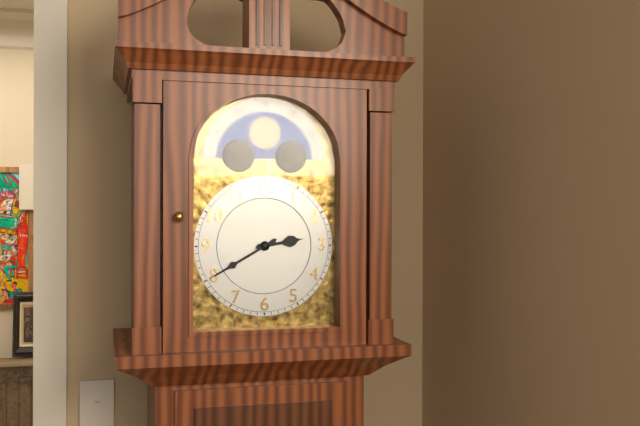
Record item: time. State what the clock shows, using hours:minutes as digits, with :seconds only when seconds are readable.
2:40
